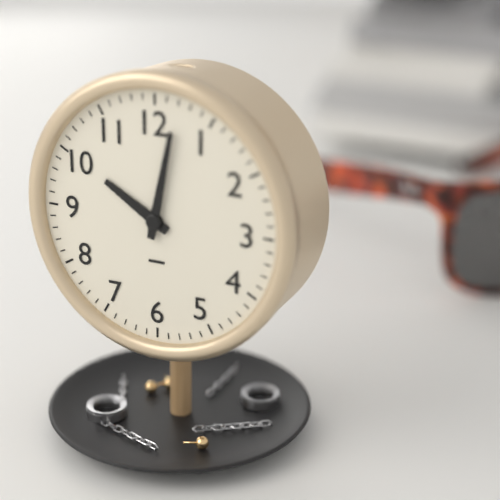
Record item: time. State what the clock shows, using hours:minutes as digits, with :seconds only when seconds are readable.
10:02
